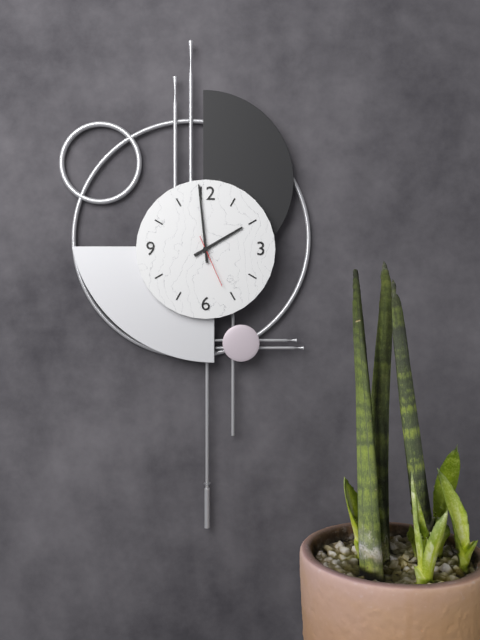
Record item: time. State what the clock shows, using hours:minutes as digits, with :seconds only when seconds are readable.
1:59:26
